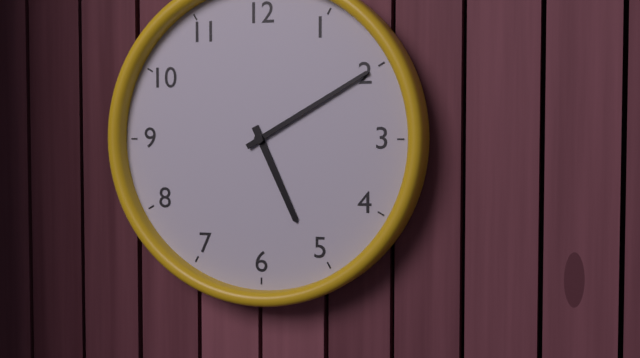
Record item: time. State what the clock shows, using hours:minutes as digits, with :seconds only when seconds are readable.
5:10
